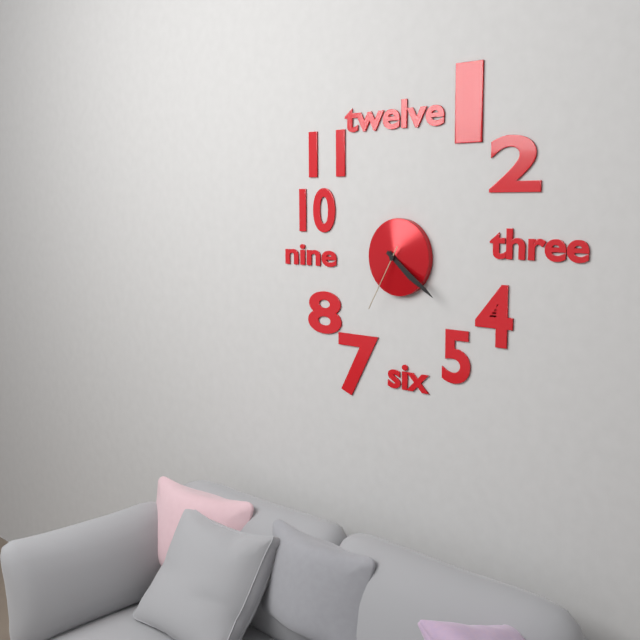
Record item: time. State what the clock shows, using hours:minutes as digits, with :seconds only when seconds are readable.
4:21:35
